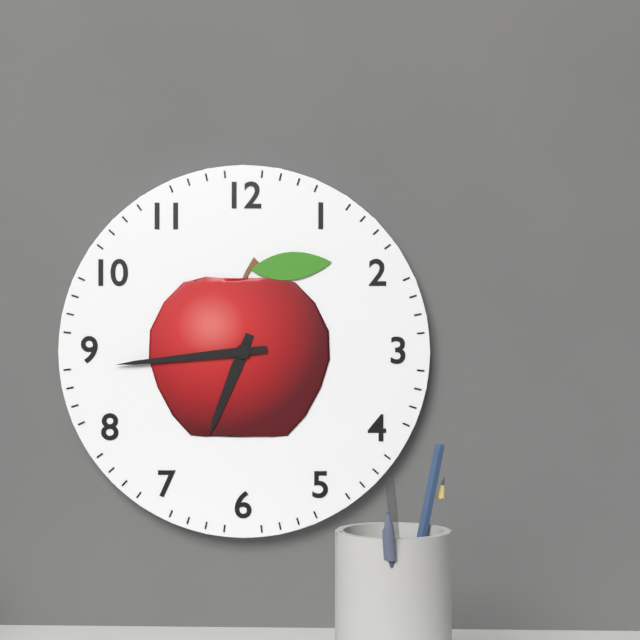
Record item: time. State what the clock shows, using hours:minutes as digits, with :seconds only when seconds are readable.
6:44
